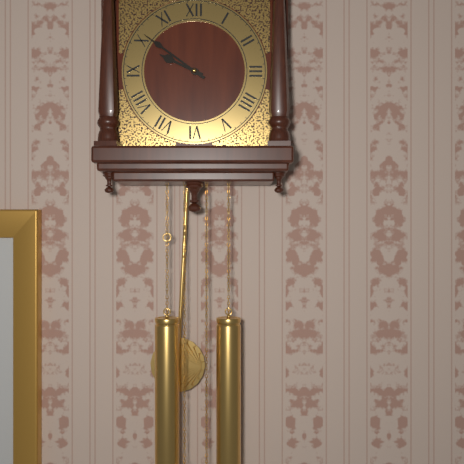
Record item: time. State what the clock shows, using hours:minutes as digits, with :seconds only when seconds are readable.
9:51
